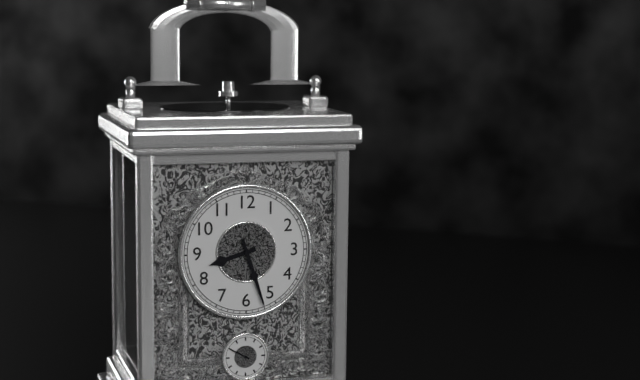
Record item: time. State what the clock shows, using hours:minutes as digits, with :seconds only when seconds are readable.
8:27
